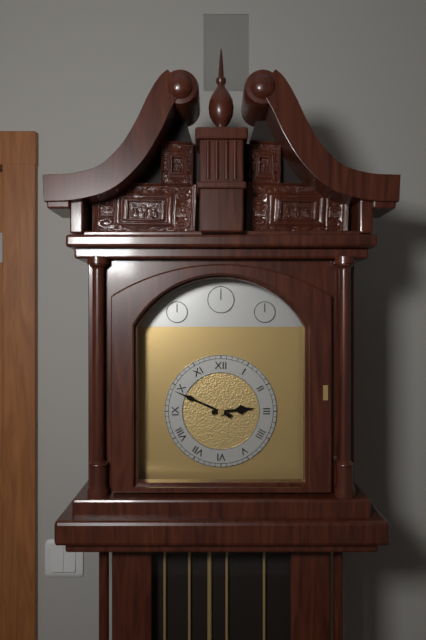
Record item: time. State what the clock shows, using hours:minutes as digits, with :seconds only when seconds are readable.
2:49
